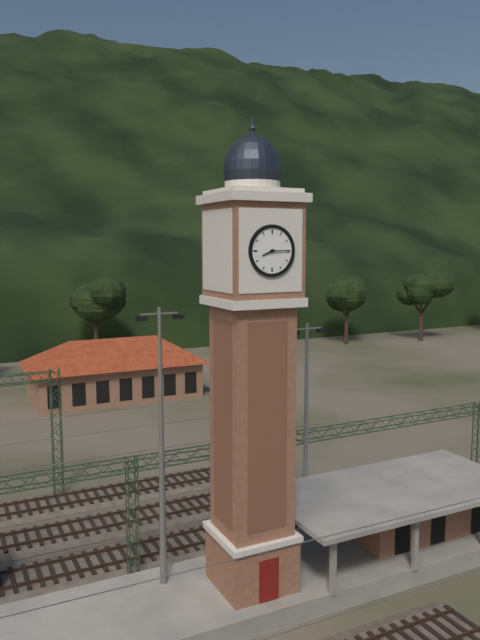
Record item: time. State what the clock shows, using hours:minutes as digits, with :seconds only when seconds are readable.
8:15
